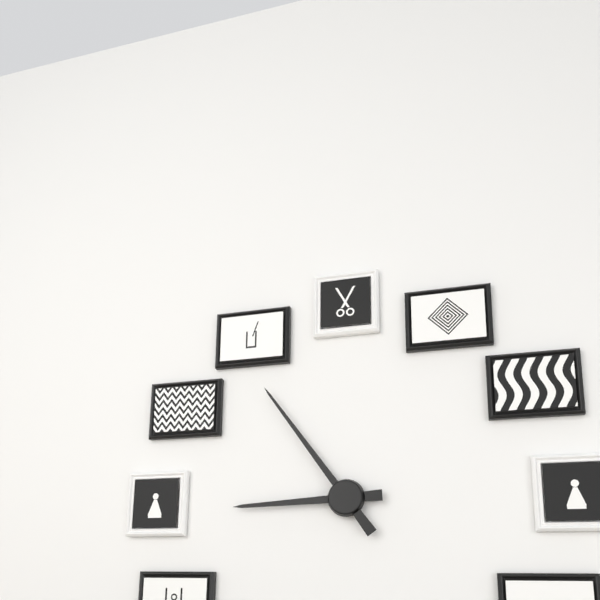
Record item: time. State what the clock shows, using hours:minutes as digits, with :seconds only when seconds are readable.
8:54
